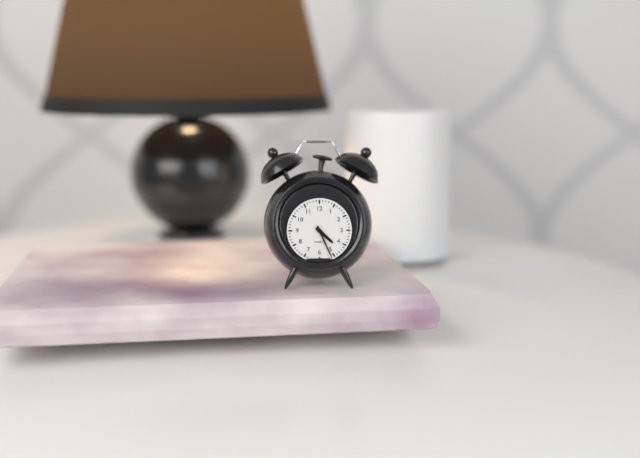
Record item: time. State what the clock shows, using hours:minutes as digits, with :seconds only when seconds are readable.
4:26
